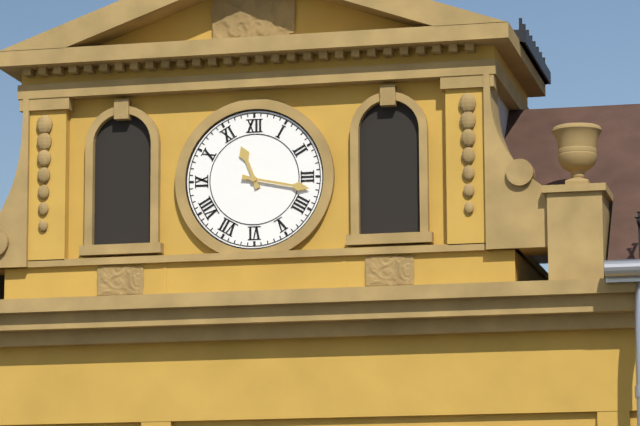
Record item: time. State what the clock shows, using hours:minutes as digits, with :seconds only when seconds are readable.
11:17
